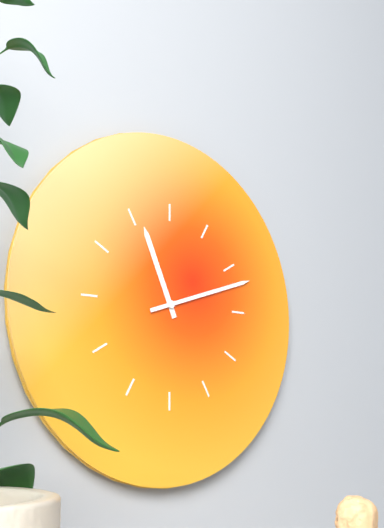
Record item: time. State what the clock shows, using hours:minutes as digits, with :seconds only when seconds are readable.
11:12
